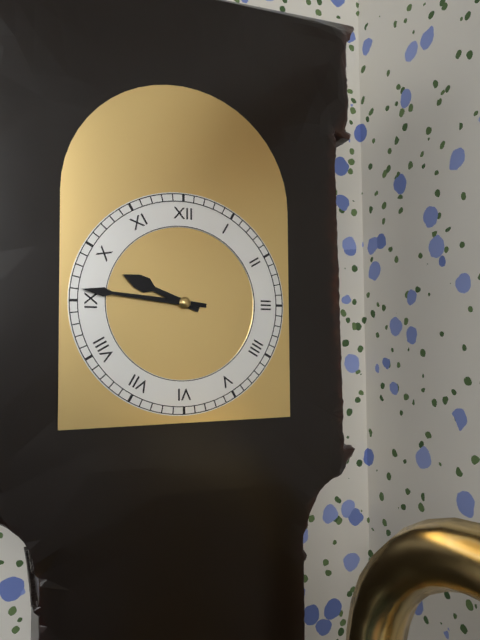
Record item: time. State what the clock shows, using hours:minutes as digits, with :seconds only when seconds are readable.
9:46
